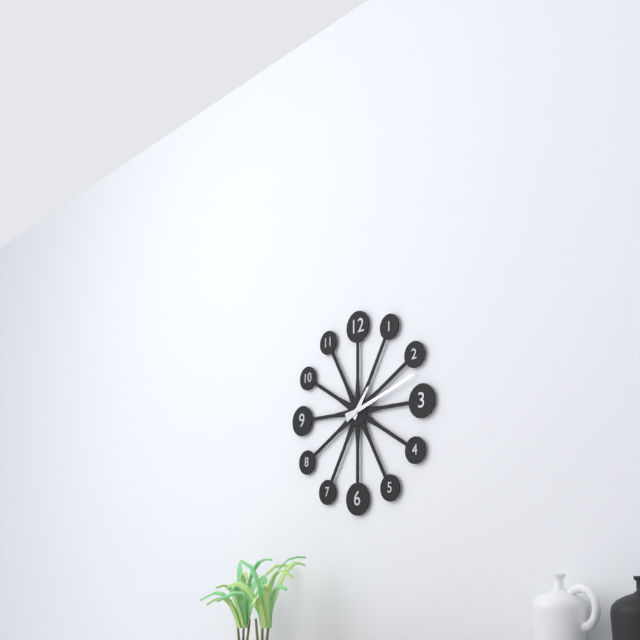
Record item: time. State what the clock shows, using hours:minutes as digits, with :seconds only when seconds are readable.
1:12
